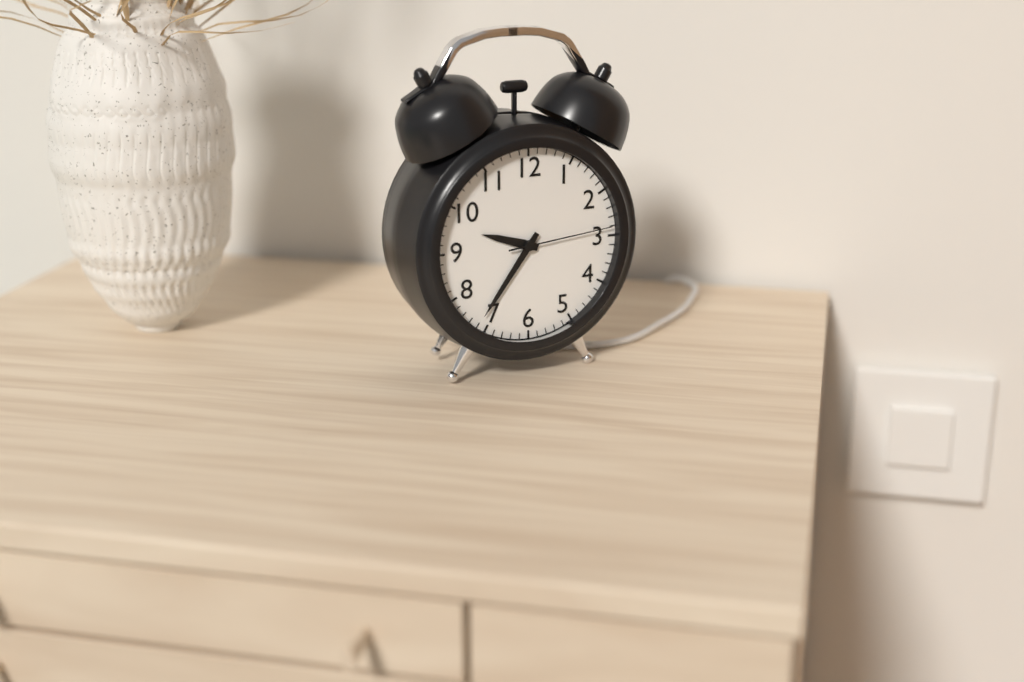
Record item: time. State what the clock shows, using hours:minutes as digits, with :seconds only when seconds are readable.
9:36:14
